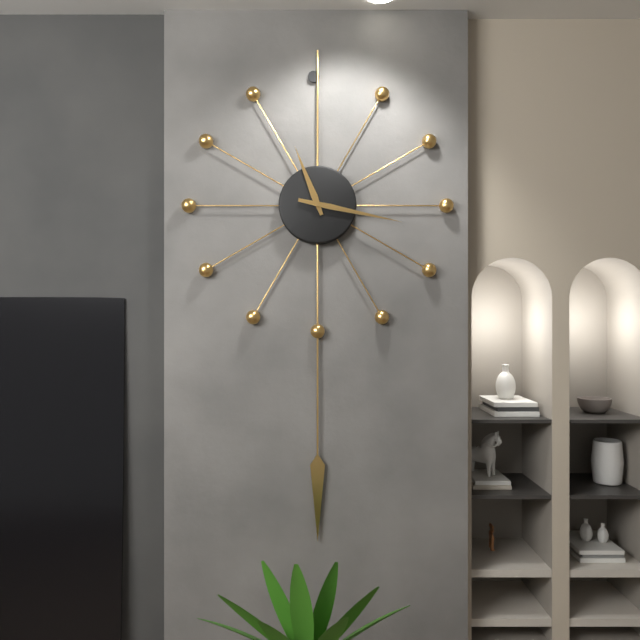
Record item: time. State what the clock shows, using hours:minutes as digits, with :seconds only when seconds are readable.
11:17
